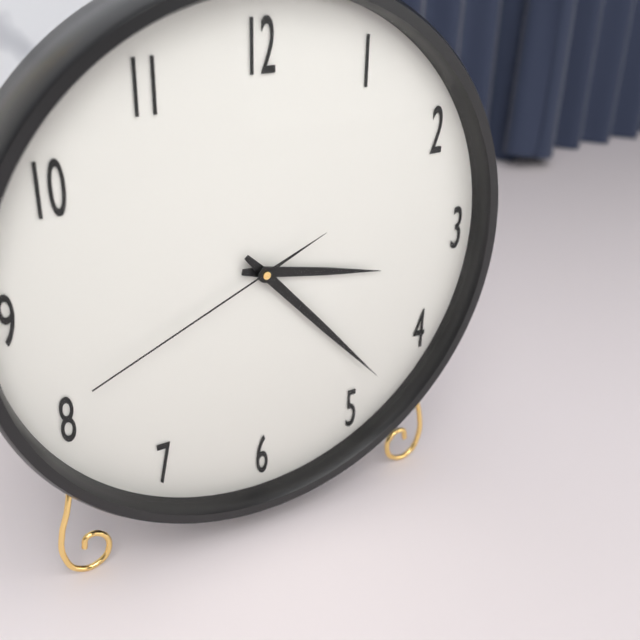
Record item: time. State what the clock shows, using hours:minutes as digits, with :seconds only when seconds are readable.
3:23:41
